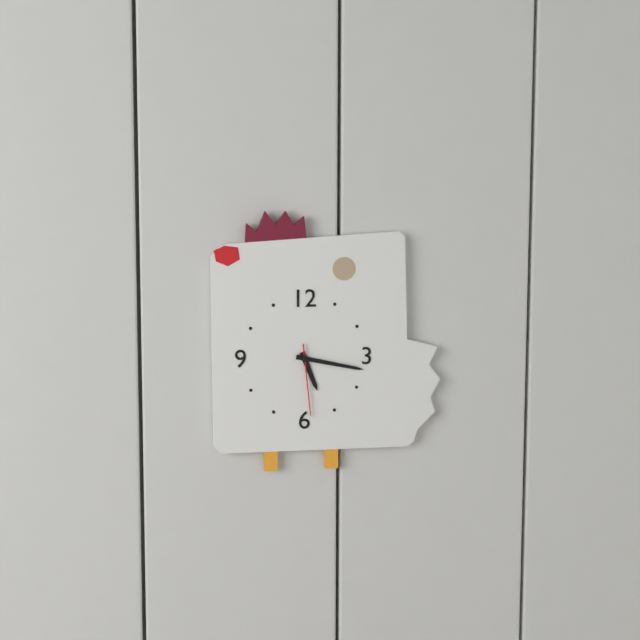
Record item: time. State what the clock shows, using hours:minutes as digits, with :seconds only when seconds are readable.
5:17:29
